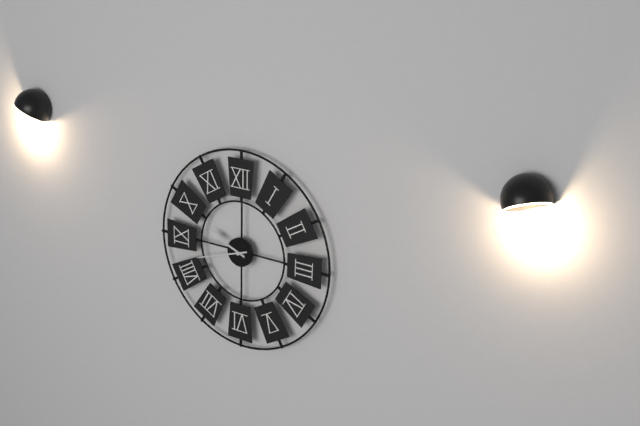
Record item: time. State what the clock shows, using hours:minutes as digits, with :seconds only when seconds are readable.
9:42
